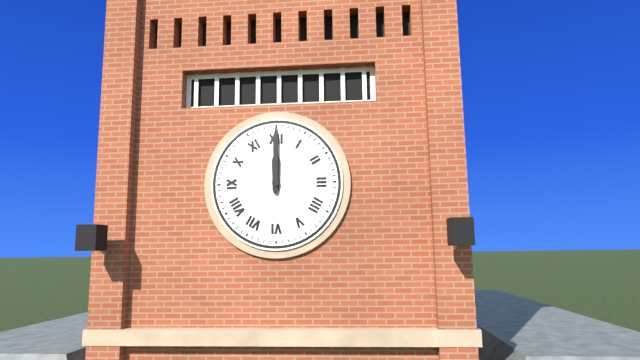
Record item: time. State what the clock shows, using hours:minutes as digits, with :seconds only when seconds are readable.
12:00
